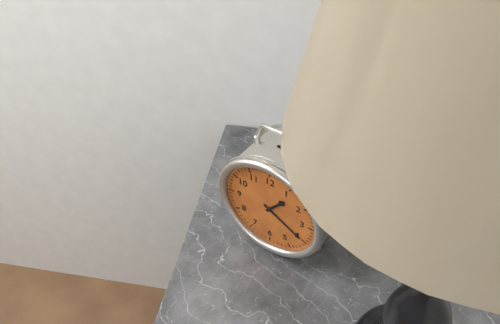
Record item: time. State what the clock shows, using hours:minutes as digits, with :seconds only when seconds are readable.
1:20
